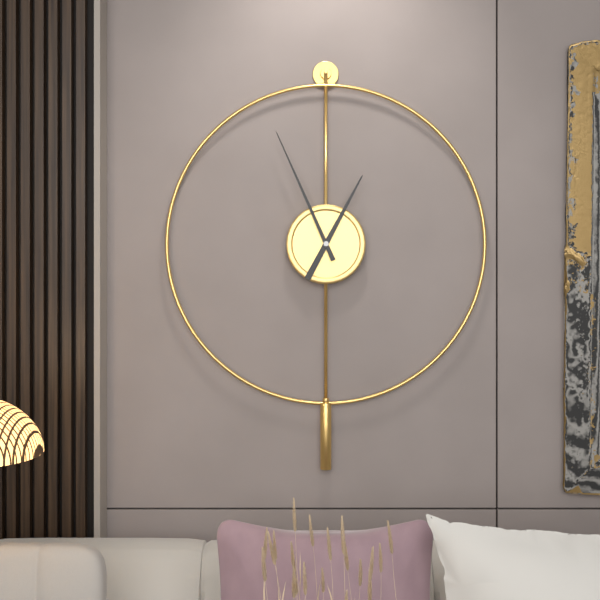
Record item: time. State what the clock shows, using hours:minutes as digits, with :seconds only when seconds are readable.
12:56
